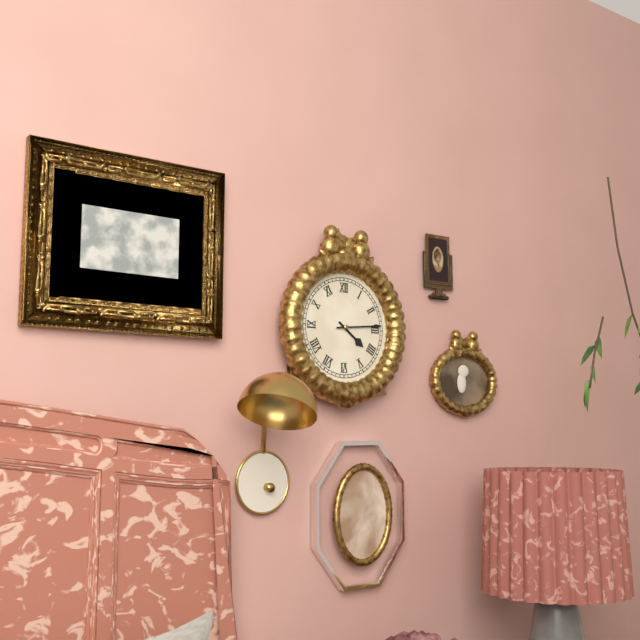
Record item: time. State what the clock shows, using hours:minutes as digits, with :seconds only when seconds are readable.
4:14
